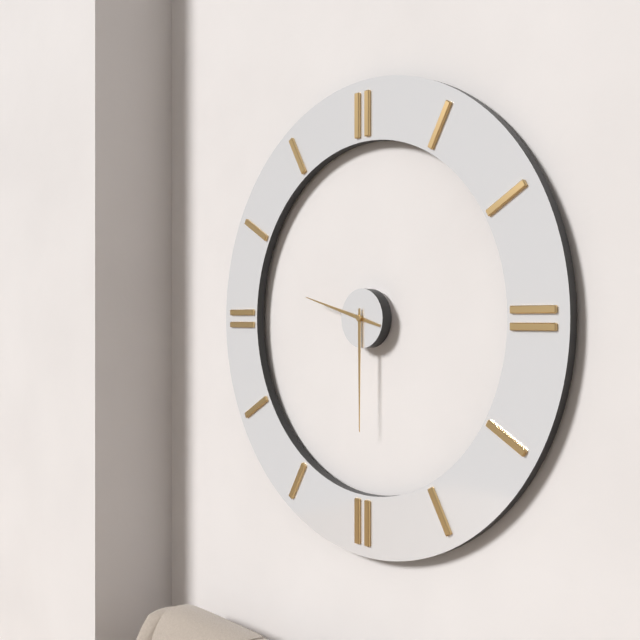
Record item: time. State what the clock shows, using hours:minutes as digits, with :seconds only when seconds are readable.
9:30
